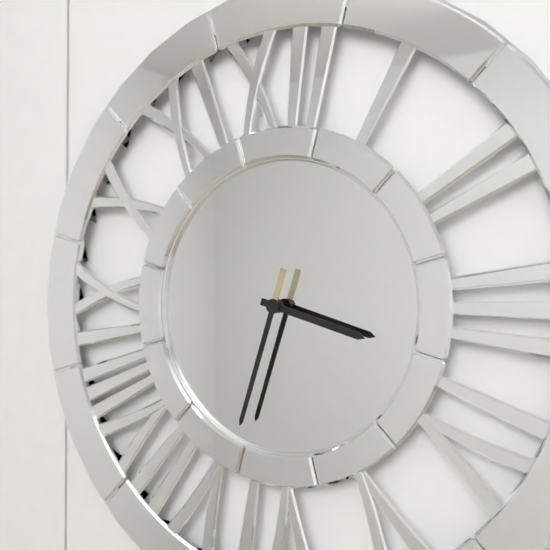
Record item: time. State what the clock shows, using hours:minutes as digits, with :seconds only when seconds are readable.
3:33
